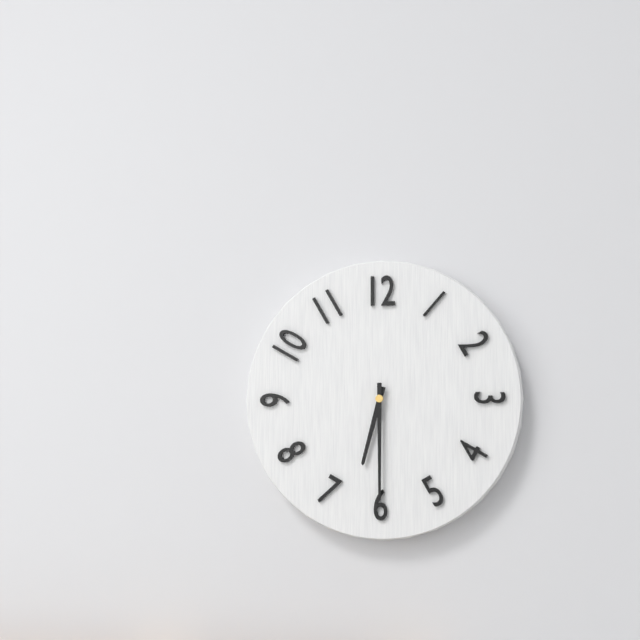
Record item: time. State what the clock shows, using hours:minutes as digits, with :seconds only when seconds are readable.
6:30
